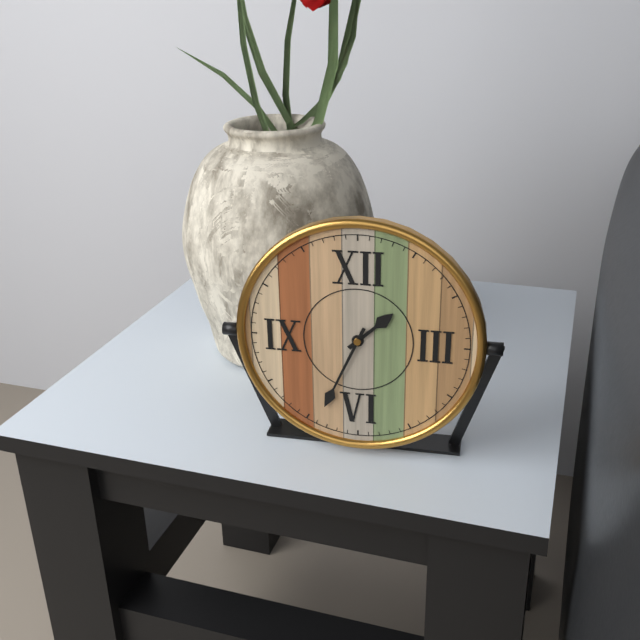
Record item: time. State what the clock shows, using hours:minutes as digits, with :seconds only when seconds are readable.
1:34
